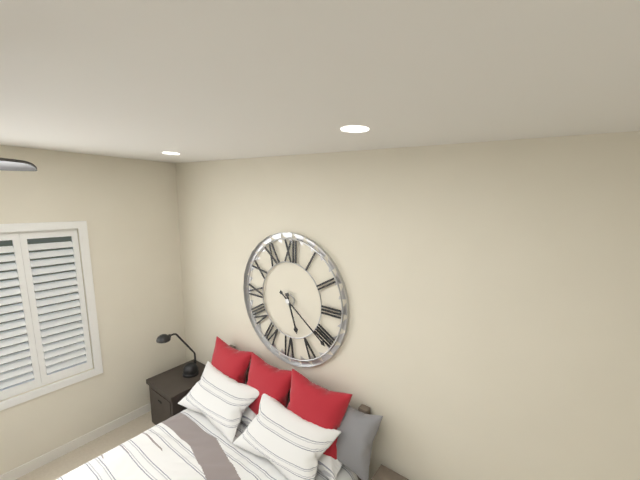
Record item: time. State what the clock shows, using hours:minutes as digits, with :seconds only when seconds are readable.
5:21
